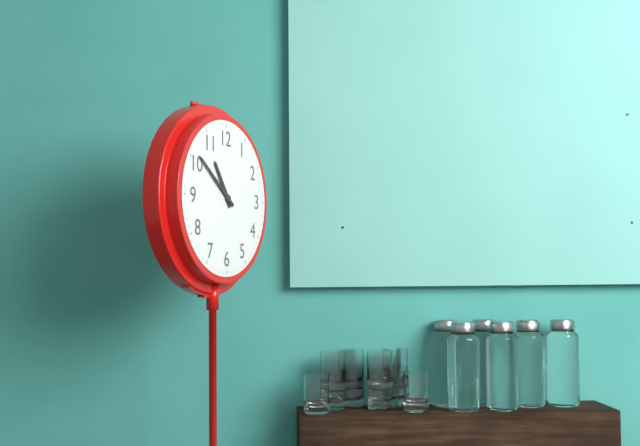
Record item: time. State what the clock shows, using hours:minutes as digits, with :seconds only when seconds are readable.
10:51
